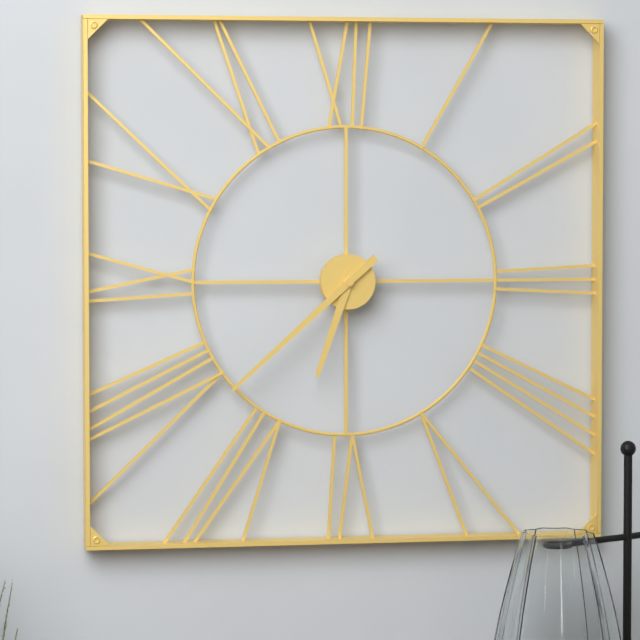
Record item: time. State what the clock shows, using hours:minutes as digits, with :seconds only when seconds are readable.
6:38
